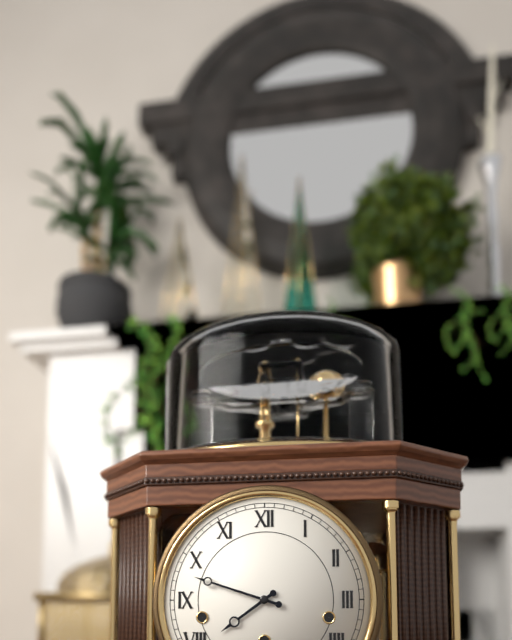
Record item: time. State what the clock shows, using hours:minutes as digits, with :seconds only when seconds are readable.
7:48
